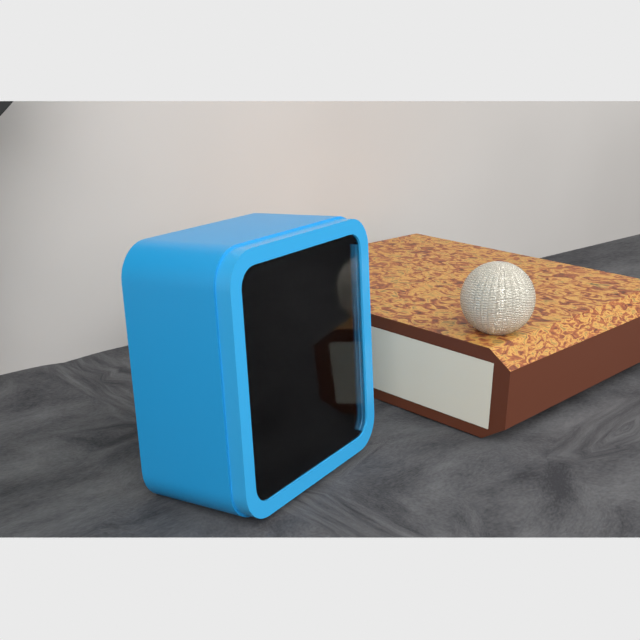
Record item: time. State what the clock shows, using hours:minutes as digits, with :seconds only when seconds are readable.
12:56
